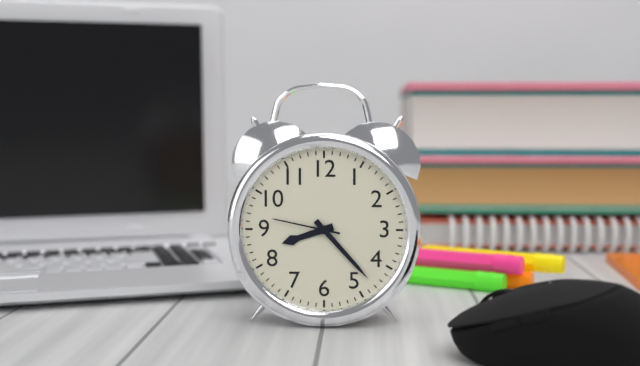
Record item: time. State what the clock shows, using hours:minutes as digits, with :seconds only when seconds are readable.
8:23:47
